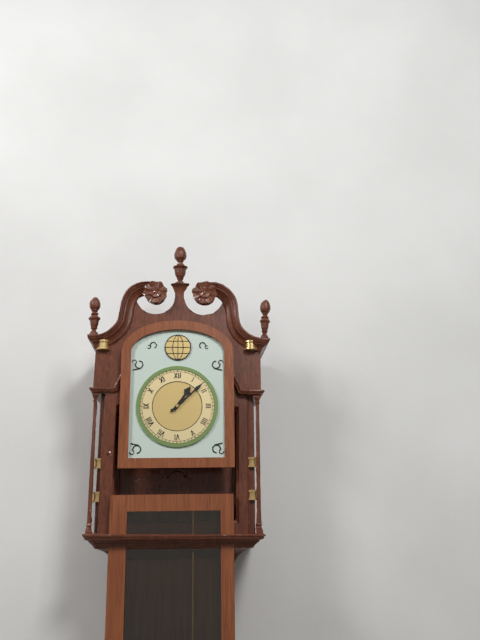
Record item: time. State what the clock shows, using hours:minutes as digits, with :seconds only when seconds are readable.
1:08
